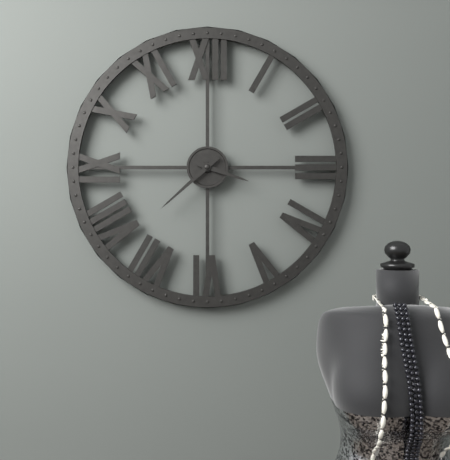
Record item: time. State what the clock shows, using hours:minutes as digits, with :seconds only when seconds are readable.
3:38
